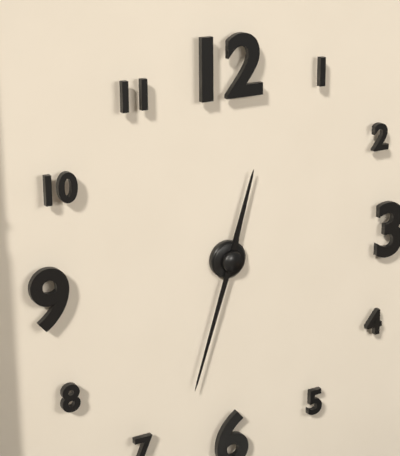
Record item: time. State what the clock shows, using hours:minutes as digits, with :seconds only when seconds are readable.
12:33
